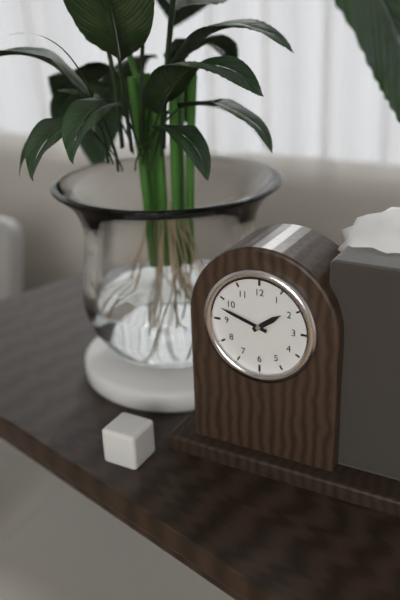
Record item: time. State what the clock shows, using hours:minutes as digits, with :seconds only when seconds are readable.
1:48
